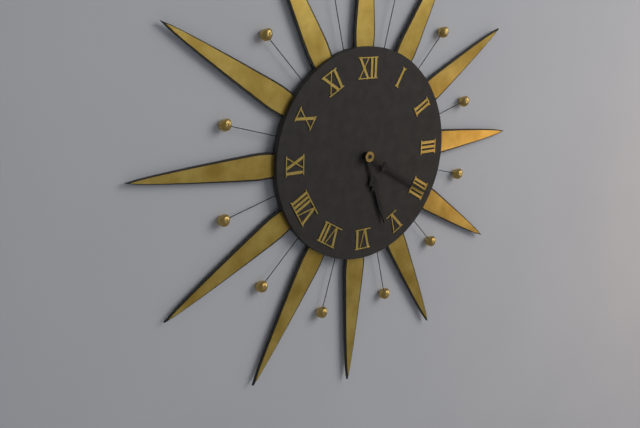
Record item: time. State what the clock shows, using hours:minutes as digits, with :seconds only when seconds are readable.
5:20
